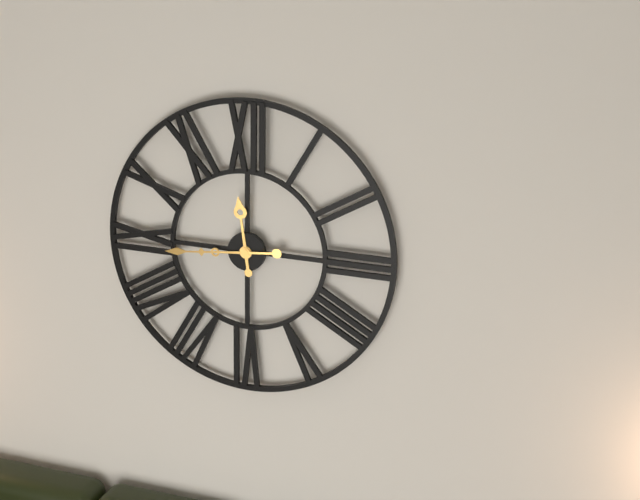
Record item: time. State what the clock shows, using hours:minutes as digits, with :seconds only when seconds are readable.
11:44
